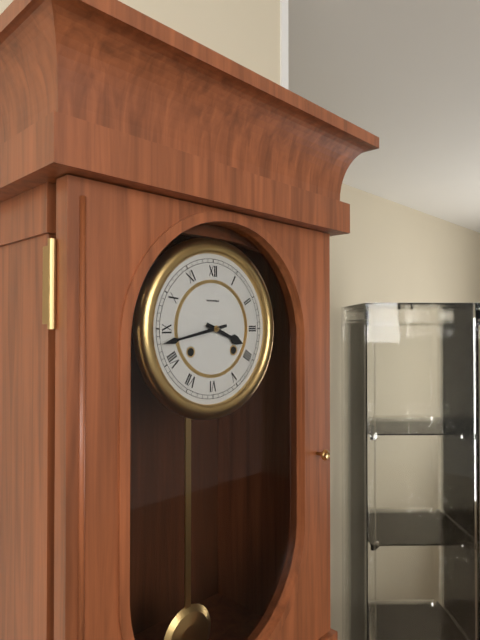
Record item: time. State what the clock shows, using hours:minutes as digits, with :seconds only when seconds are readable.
3:43
